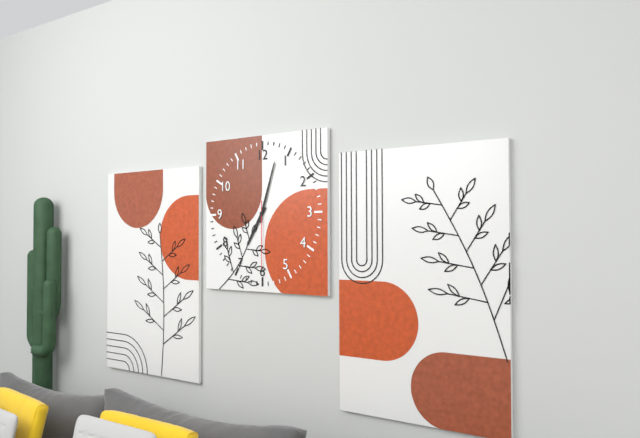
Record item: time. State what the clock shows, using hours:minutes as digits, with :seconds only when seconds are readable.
7:03:30
